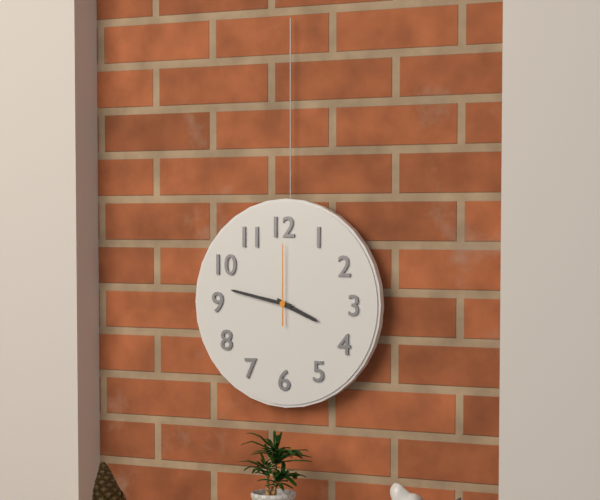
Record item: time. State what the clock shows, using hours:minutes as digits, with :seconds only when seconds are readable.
3:47:00
